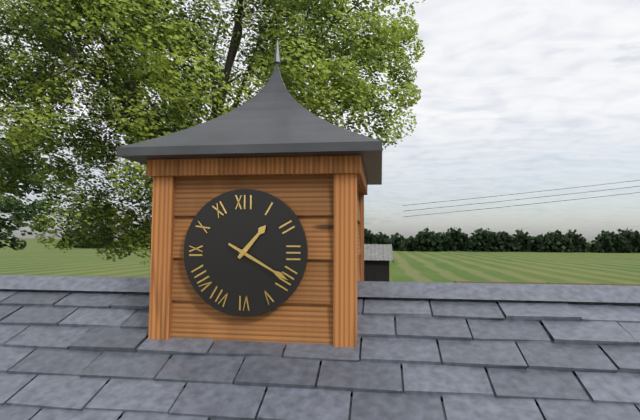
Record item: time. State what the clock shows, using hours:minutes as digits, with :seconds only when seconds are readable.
1:20
